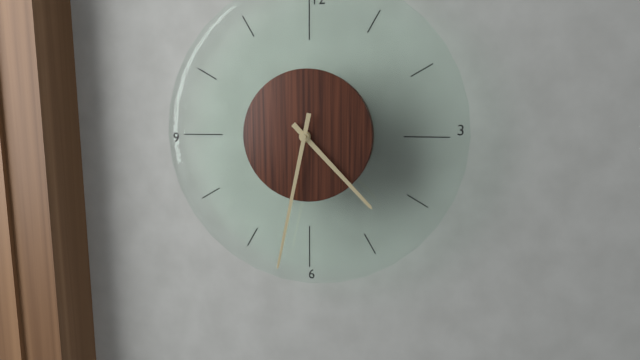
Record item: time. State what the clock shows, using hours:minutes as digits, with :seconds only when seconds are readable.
4:32
